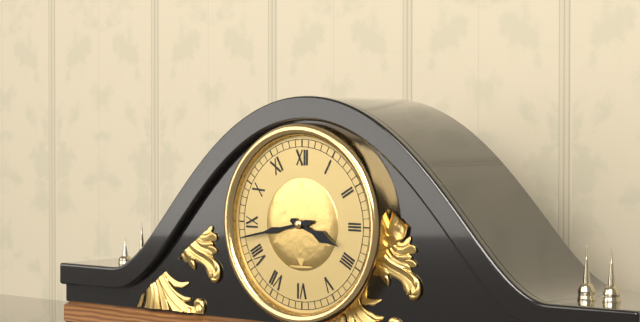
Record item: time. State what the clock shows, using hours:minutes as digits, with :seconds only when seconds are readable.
3:43
